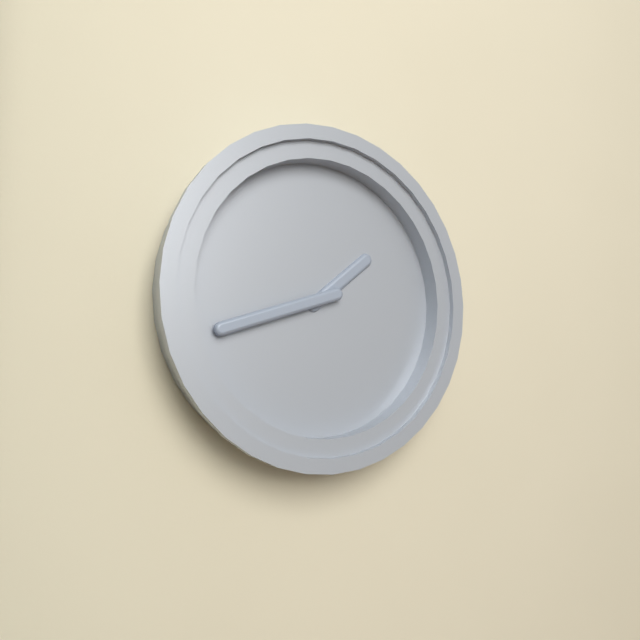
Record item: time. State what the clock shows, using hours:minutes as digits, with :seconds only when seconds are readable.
1:42
